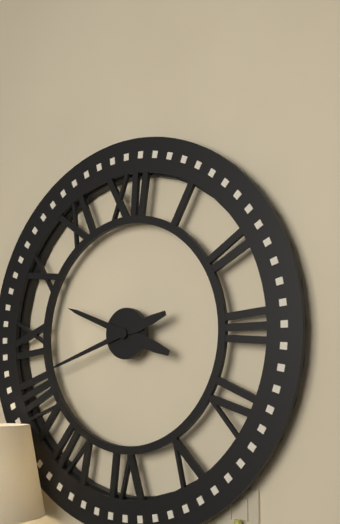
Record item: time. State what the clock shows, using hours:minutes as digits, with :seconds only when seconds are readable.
9:42
